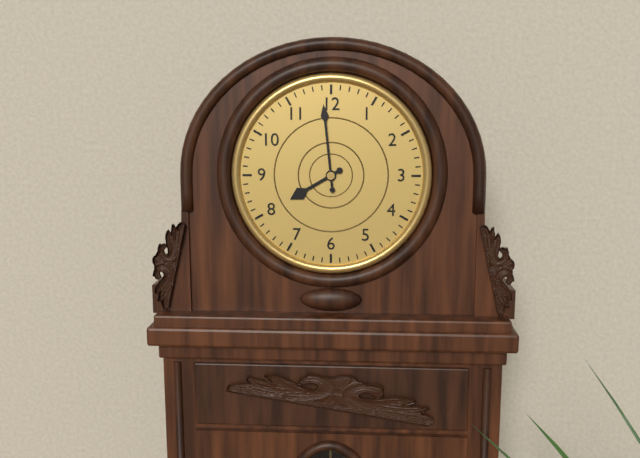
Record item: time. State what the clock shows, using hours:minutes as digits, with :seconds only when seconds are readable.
7:59
